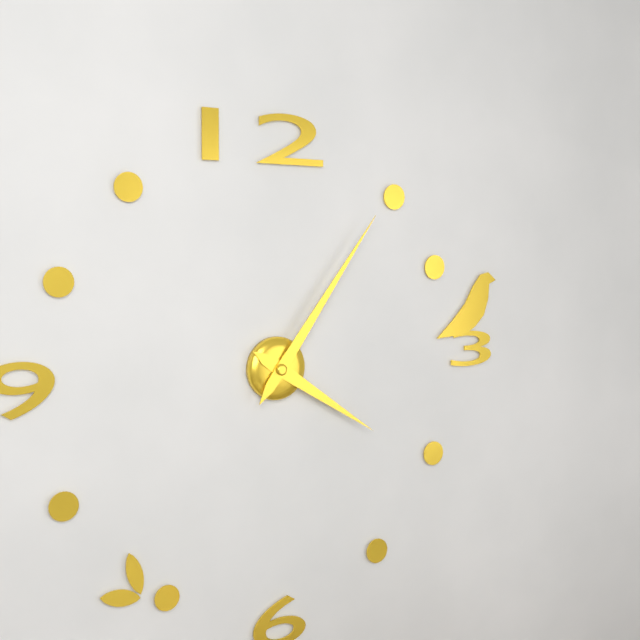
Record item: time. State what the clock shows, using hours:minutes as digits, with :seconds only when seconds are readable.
4:06
